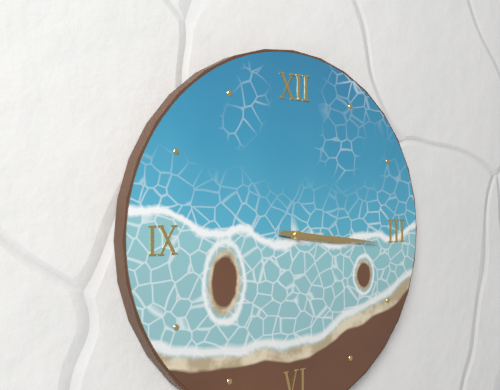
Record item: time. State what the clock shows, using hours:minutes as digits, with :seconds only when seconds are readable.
3:16
